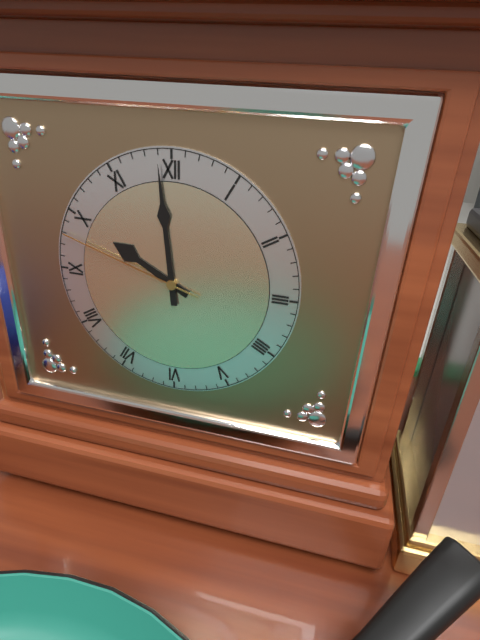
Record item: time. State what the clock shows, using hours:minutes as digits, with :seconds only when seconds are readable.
9:59:48
